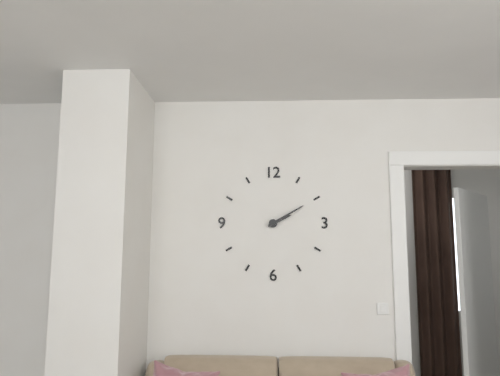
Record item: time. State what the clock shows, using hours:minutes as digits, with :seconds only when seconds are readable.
2:10
